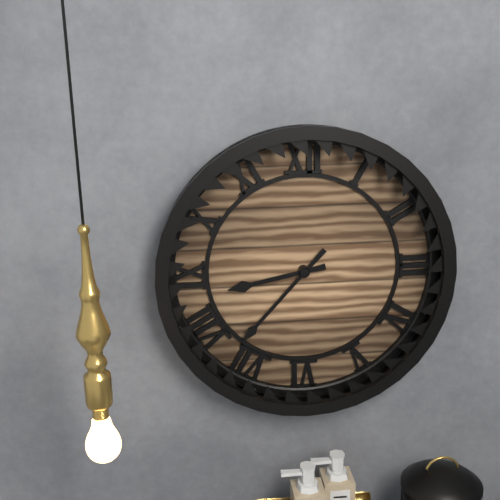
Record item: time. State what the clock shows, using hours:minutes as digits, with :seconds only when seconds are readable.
8:37
